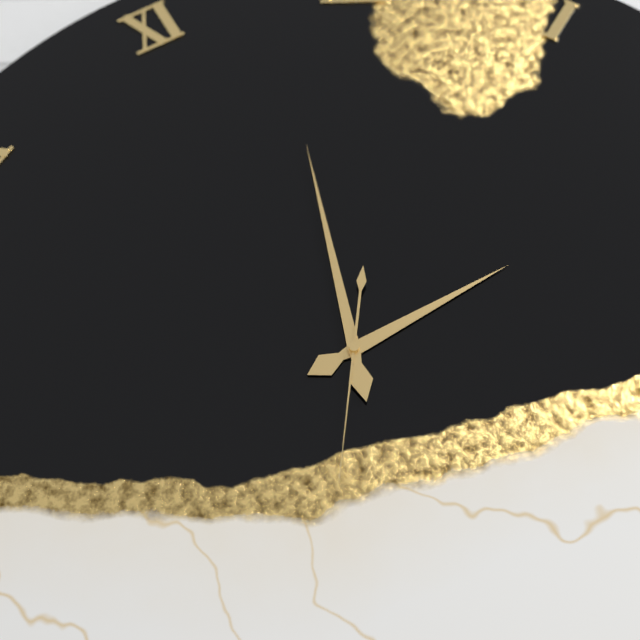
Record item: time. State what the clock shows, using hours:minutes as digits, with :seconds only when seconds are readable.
1:58:31
